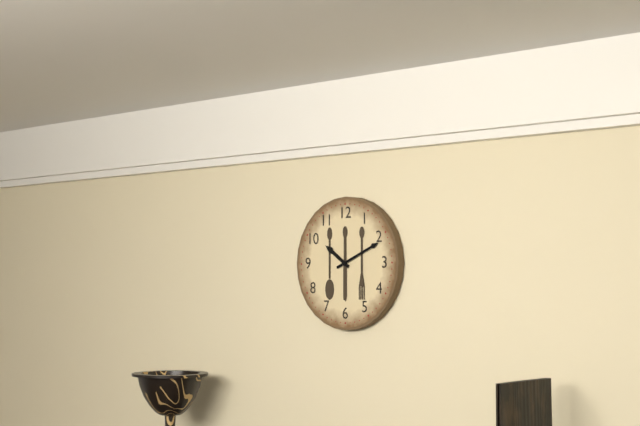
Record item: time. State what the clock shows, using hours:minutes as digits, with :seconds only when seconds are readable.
10:11
